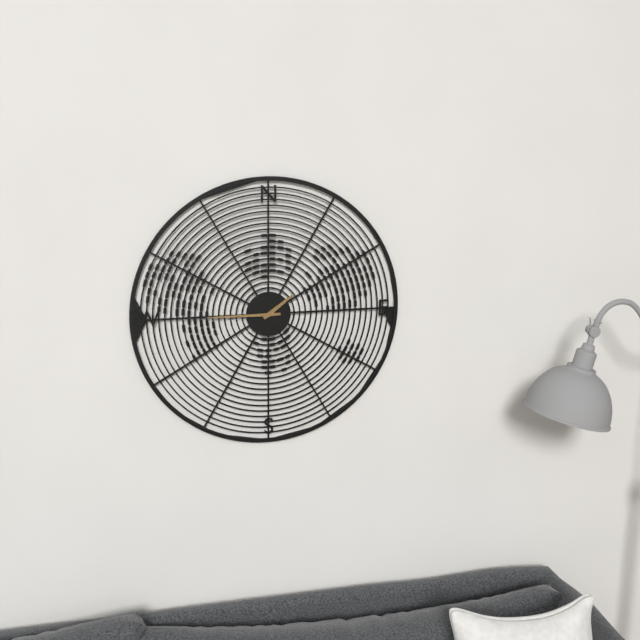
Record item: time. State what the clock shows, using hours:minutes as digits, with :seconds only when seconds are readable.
1:45
